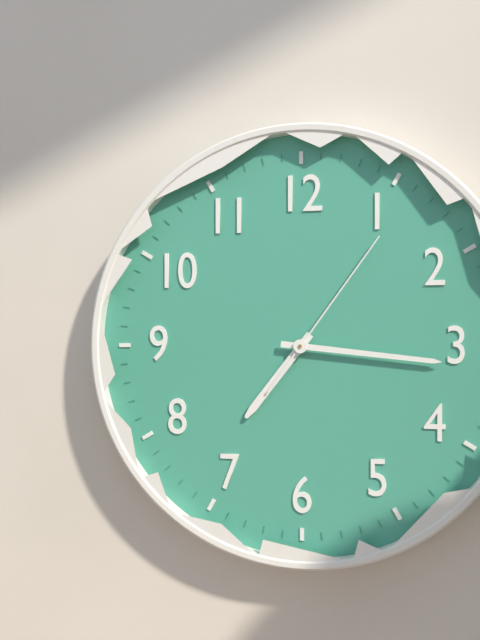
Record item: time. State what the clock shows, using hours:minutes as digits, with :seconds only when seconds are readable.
7:16:06
